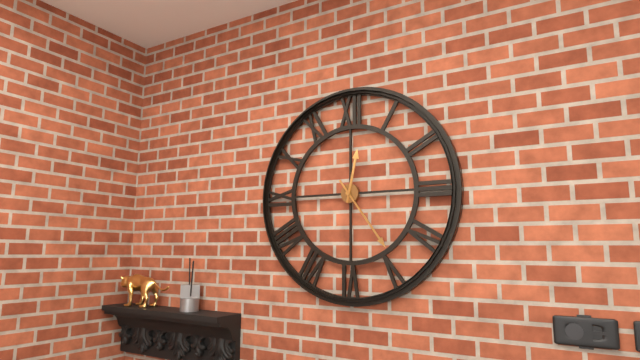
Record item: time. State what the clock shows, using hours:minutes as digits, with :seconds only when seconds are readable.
12:24
